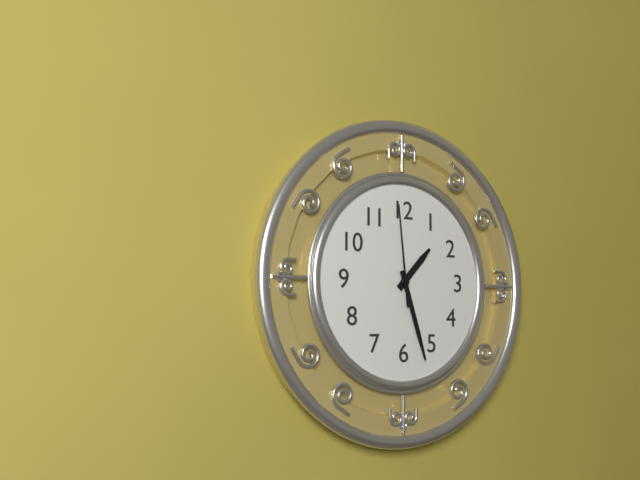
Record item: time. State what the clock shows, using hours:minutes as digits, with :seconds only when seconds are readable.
1:27:59
